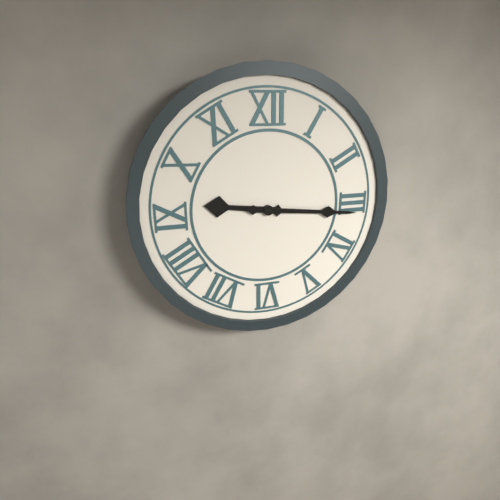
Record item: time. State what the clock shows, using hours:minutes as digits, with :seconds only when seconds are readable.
9:16
